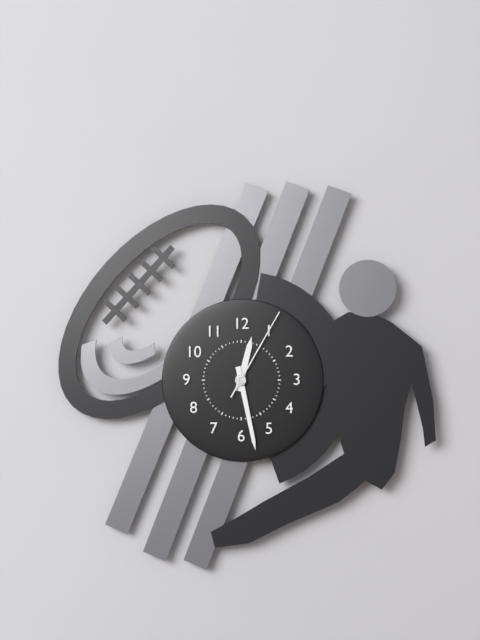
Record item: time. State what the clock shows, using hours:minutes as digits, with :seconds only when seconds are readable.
12:28:05
